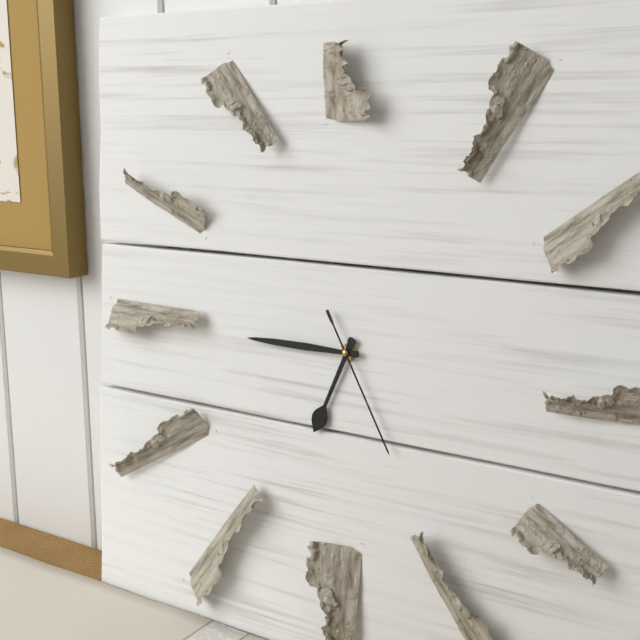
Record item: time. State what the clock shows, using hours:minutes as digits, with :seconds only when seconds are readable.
6:45:25
